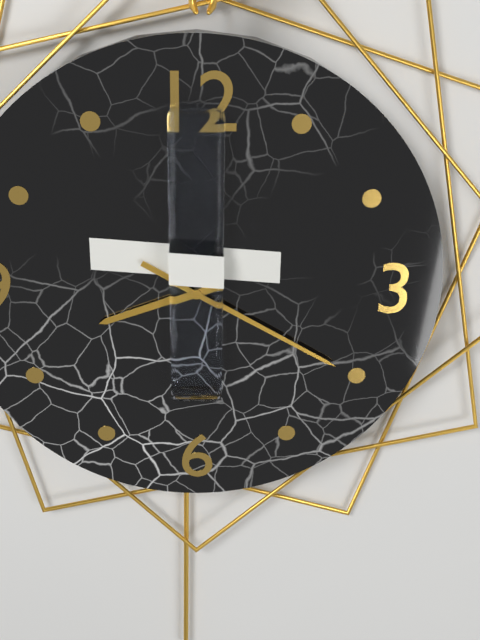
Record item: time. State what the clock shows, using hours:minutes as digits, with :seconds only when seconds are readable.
8:20
